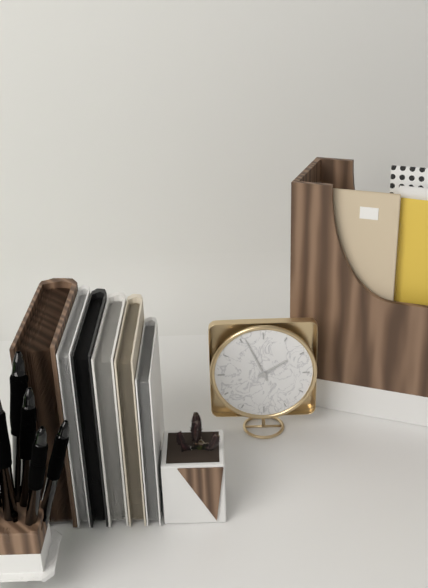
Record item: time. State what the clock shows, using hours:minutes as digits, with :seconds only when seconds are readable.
1:56
